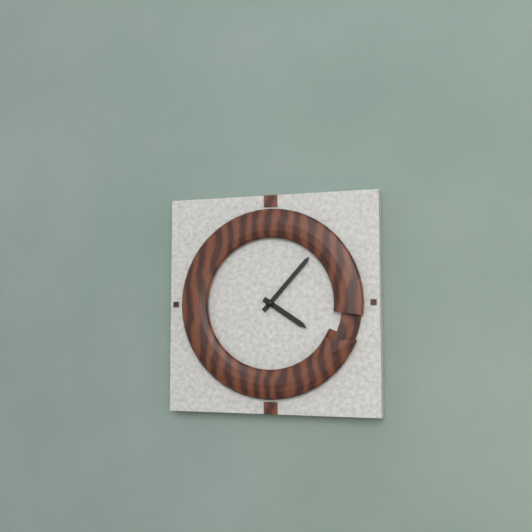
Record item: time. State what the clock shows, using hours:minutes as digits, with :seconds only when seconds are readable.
4:07
